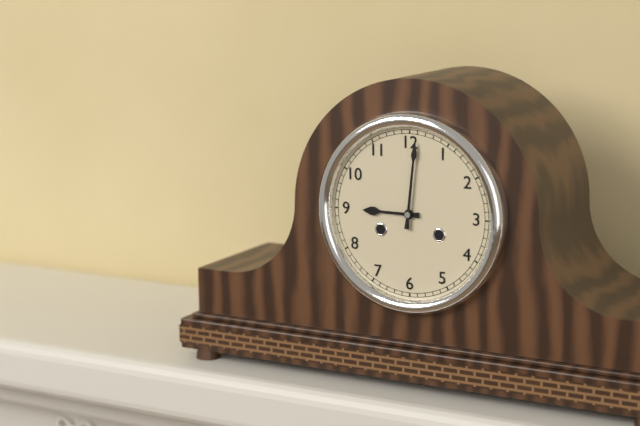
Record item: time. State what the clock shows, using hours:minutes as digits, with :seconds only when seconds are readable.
9:01
